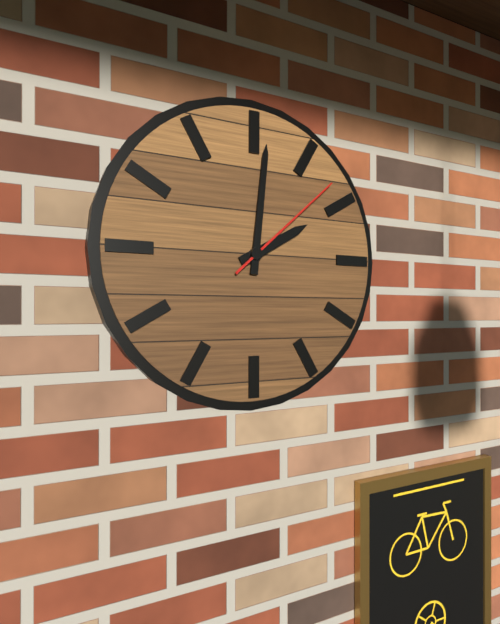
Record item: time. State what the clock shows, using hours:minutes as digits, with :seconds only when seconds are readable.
2:01:08
